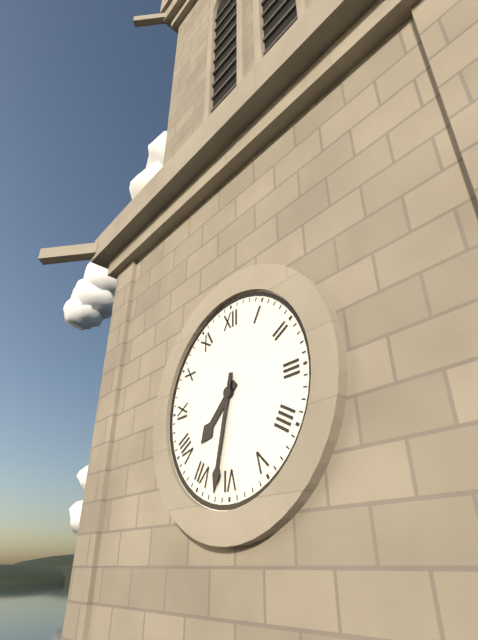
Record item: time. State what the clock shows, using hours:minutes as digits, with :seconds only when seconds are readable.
7:32
